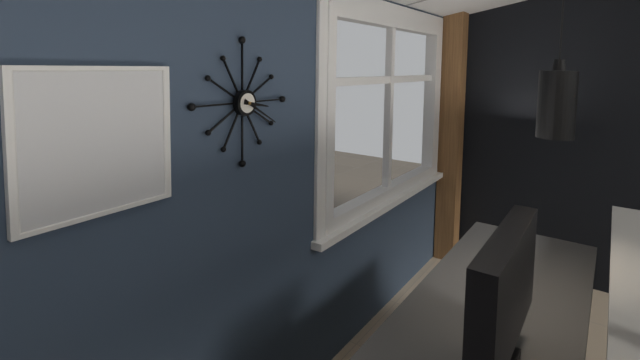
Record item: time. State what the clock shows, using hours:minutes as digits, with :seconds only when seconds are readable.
3:20
